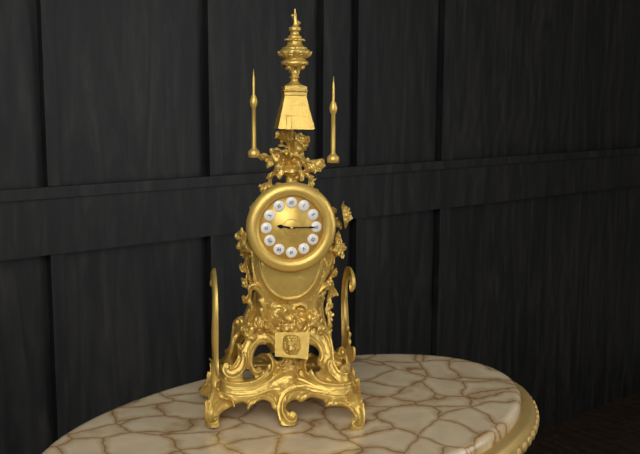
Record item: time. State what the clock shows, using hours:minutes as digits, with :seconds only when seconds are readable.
9:15
